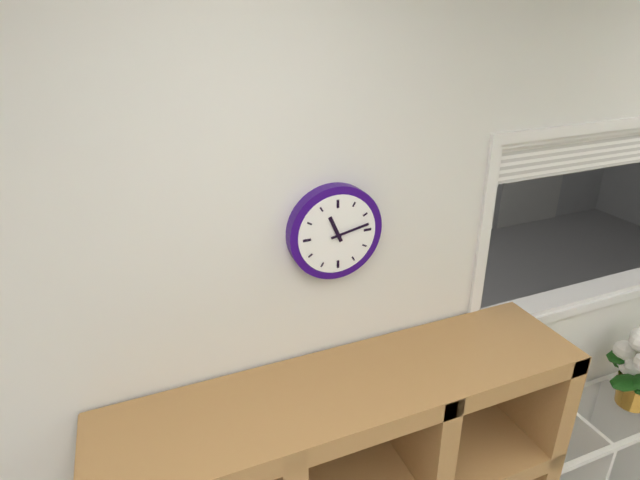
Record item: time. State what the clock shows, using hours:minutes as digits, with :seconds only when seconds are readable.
11:13
